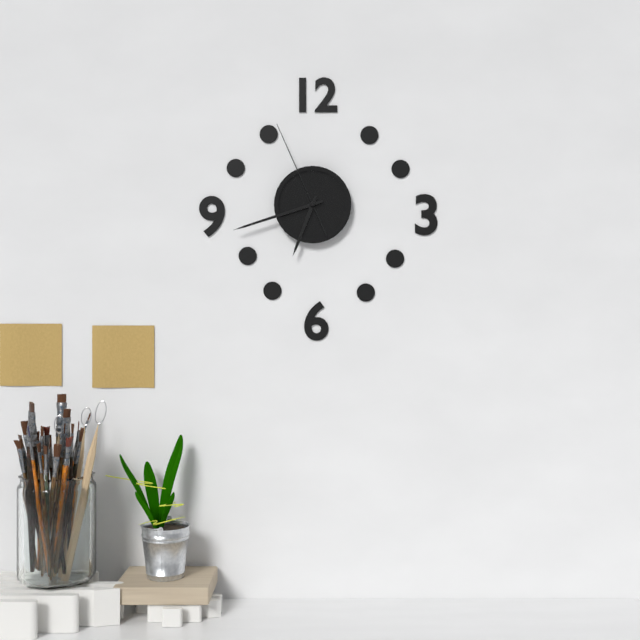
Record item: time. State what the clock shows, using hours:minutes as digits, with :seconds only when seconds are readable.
6:42:56
